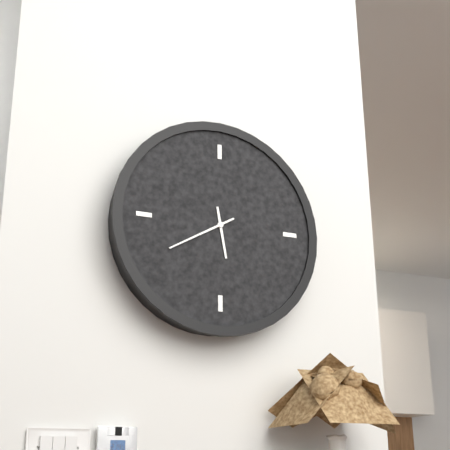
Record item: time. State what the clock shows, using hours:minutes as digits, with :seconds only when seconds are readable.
5:40
